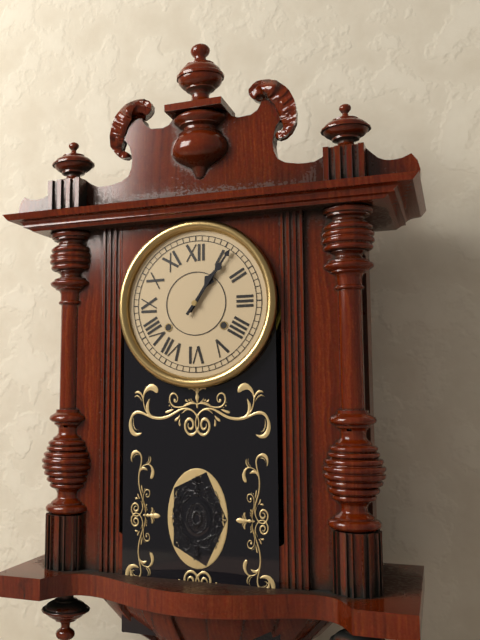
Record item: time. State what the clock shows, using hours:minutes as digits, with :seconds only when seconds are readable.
1:06
